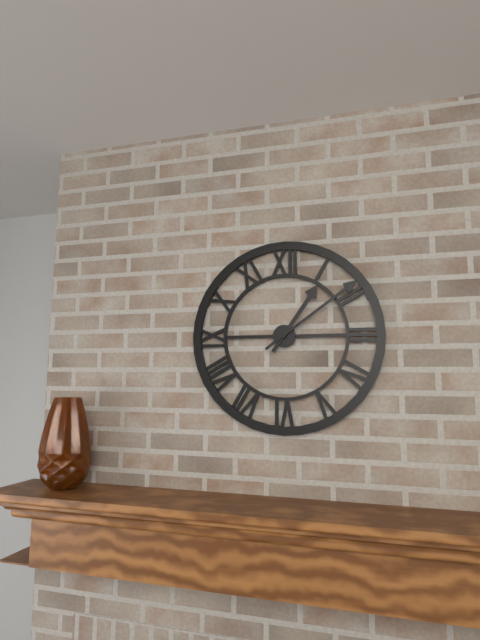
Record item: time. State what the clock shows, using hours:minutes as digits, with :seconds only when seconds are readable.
1:09
